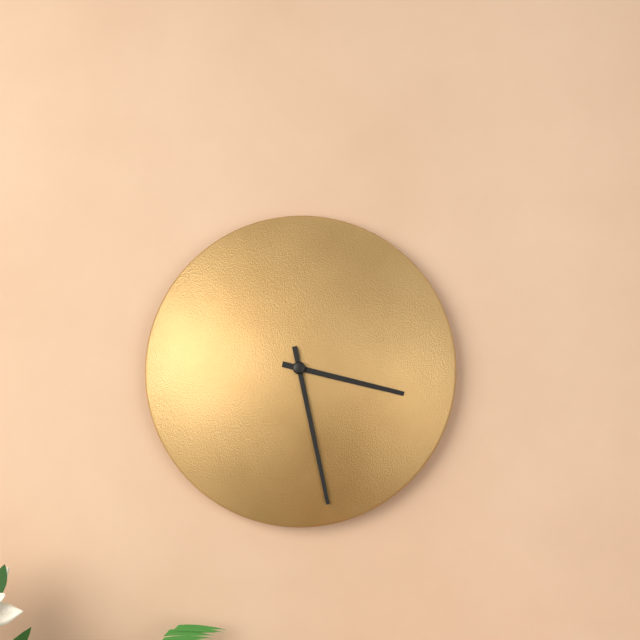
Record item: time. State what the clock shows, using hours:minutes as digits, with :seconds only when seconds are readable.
3:28
